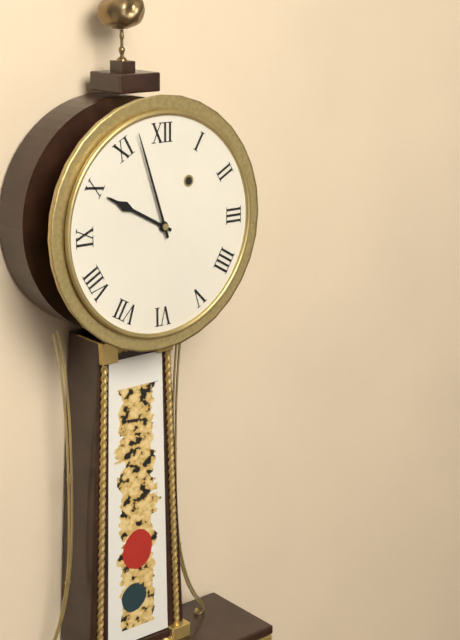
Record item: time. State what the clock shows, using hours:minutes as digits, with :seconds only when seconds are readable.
9:57
